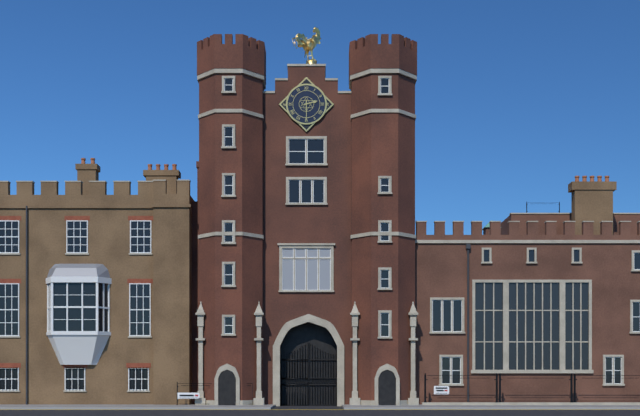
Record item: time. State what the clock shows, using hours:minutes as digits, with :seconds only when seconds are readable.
2:30
